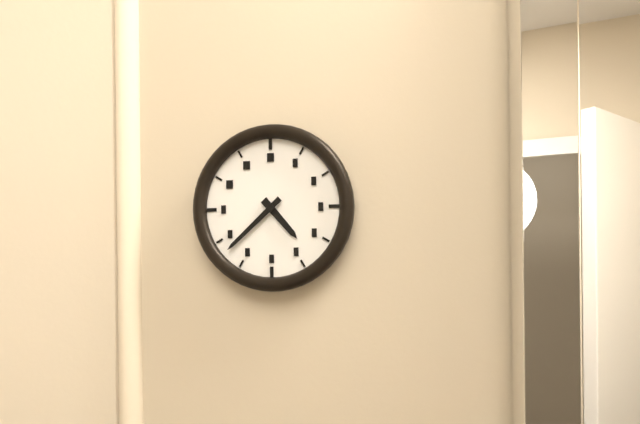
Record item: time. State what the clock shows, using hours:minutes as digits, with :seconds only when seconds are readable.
4:38
